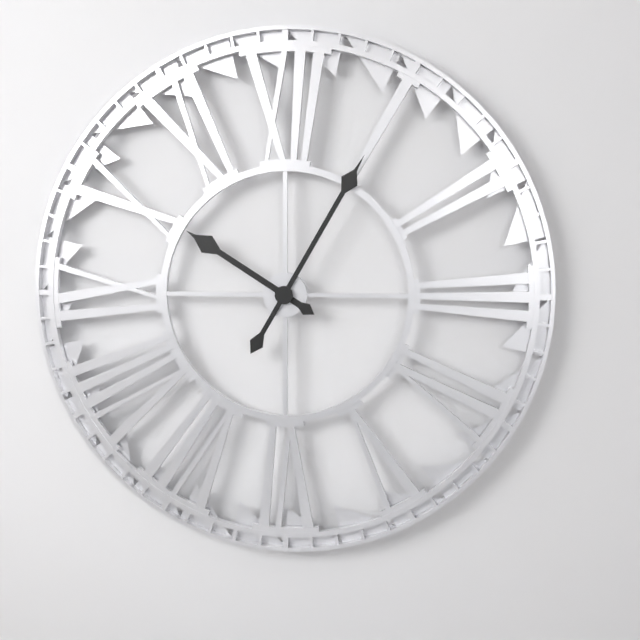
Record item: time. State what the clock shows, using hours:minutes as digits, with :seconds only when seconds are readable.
10:05
